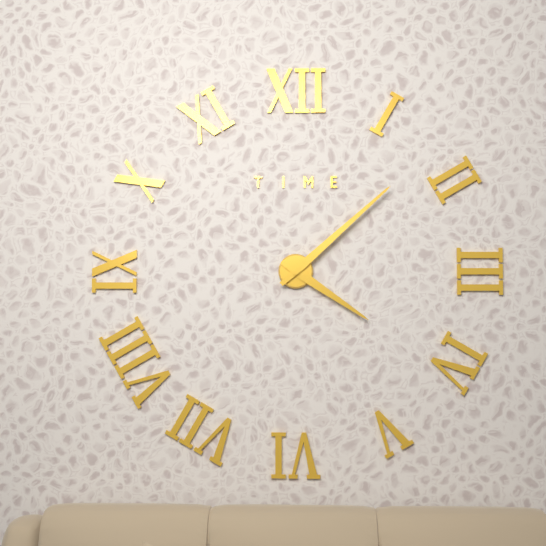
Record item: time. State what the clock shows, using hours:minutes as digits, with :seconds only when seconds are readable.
4:08
